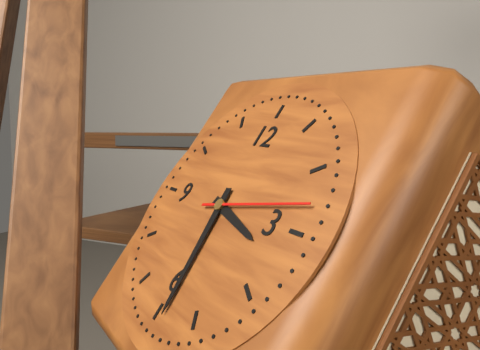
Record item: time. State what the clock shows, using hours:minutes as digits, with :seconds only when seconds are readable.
3:29:13
